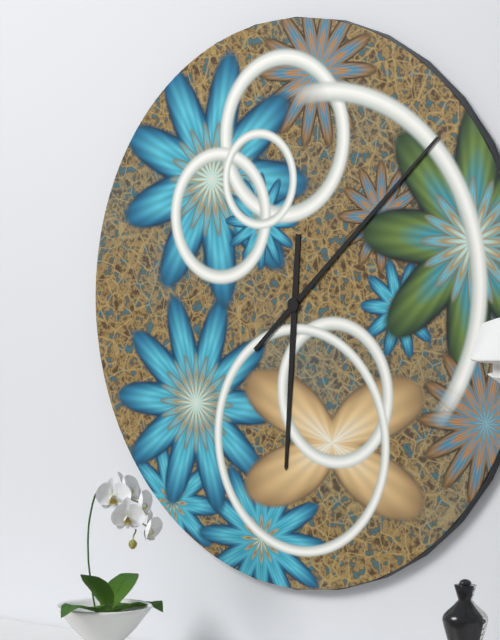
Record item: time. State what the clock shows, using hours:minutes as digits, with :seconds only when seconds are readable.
6:08
